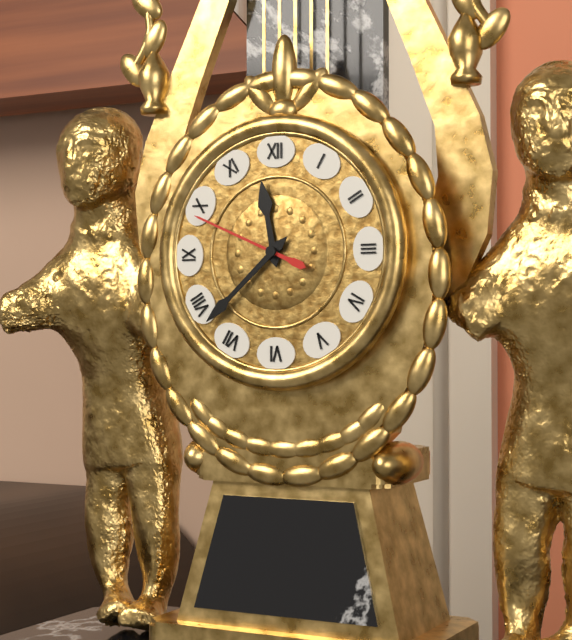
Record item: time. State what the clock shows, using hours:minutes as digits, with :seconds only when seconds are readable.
11:38:49
